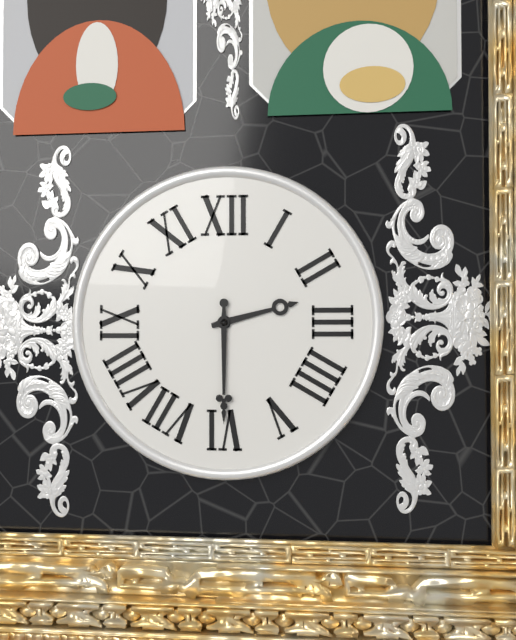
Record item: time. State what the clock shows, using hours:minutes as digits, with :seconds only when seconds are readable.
2:30
